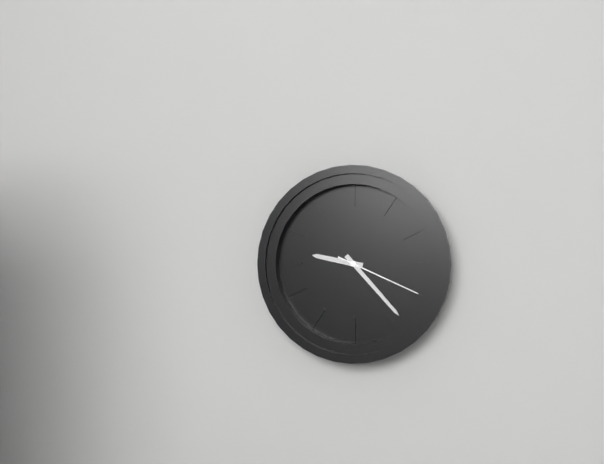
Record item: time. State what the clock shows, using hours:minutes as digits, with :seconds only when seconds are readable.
9:23:19
